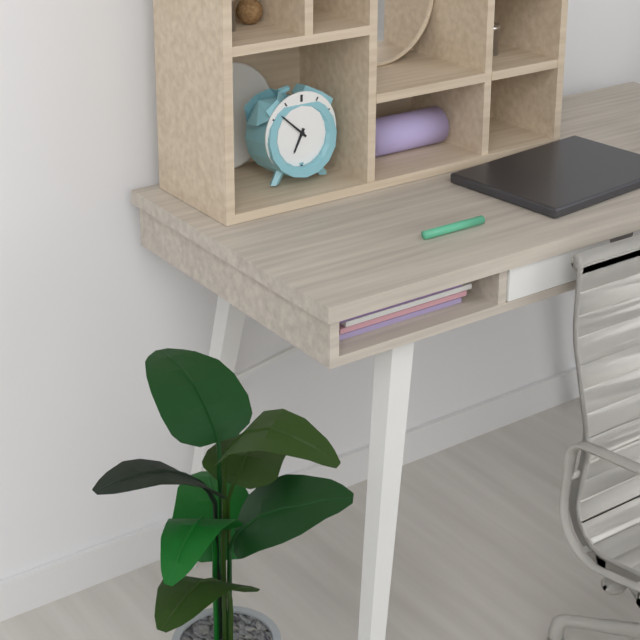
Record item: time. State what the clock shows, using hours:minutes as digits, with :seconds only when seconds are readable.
6:52
